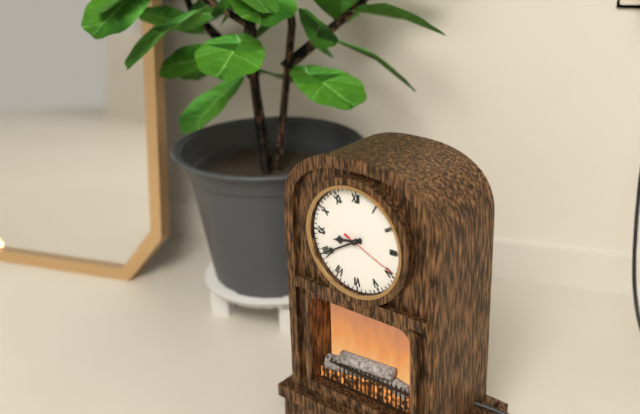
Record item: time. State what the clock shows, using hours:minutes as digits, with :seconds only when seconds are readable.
8:40:19
